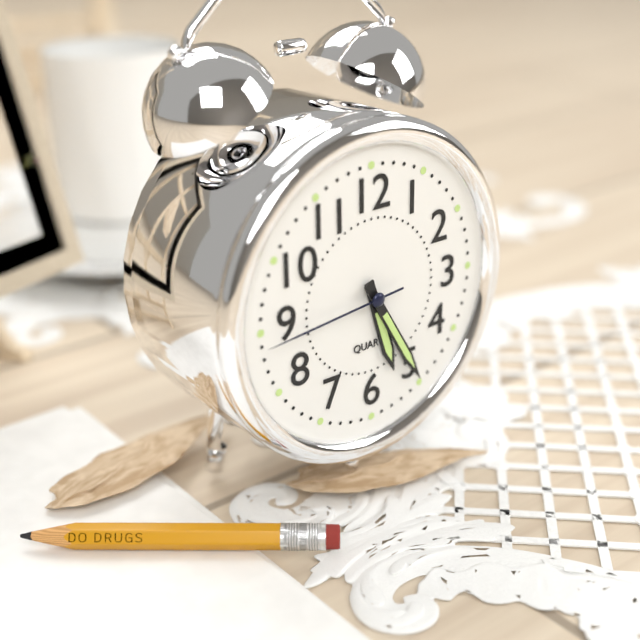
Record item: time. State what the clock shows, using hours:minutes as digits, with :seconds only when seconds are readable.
5:25:44
